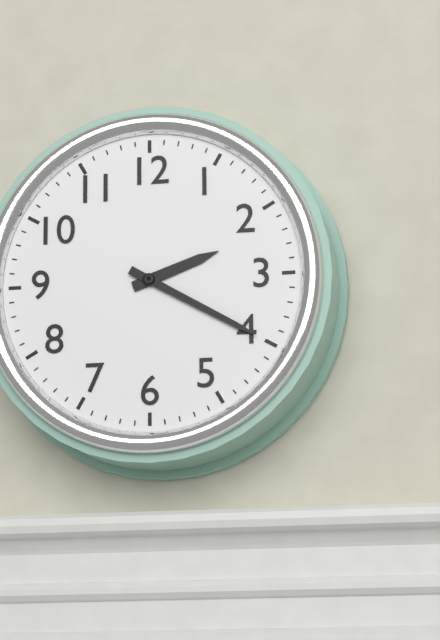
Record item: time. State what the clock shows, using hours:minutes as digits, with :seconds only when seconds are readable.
2:20
